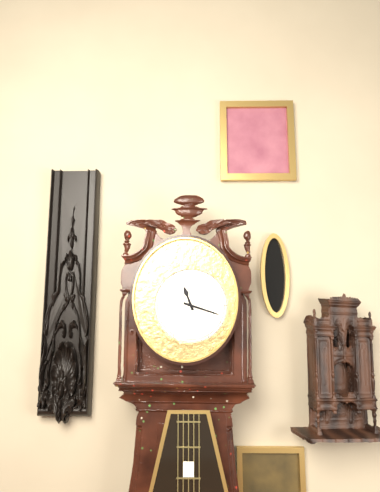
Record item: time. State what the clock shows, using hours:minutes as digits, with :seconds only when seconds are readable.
11:18
